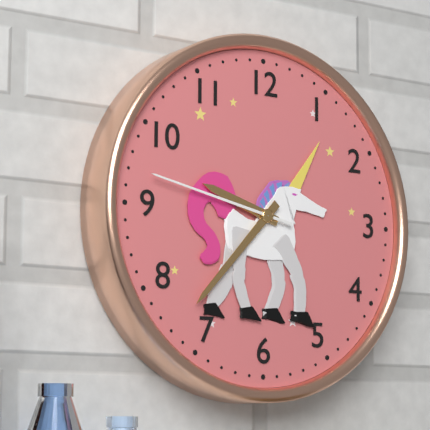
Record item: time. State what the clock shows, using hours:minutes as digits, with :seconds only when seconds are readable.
9:37:47
